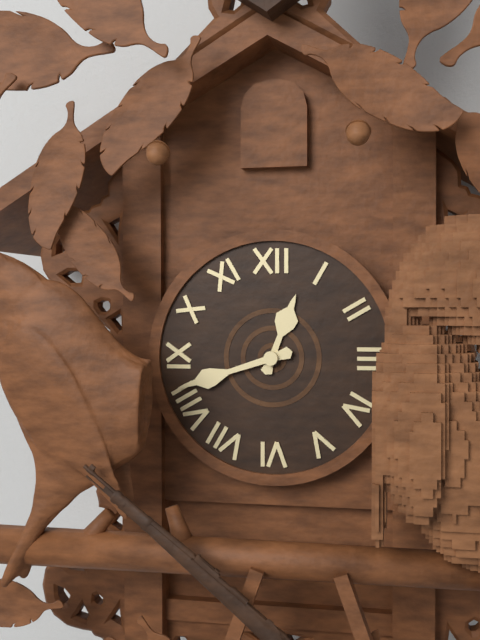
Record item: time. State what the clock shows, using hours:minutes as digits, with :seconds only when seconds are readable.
12:42
